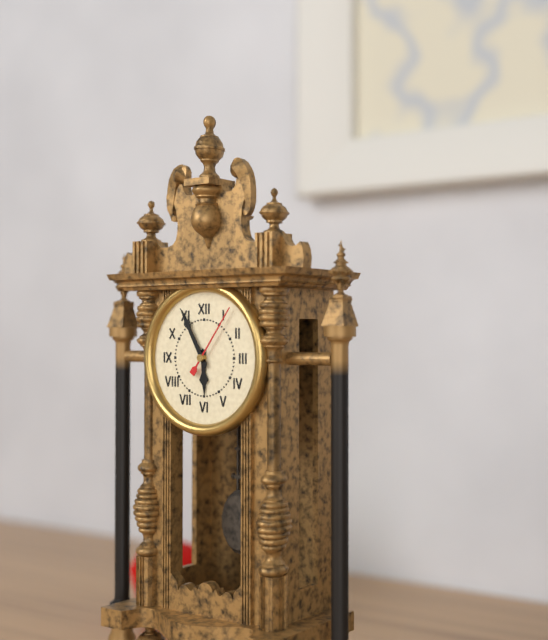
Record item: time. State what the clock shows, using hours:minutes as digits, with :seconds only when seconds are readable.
5:55:06
